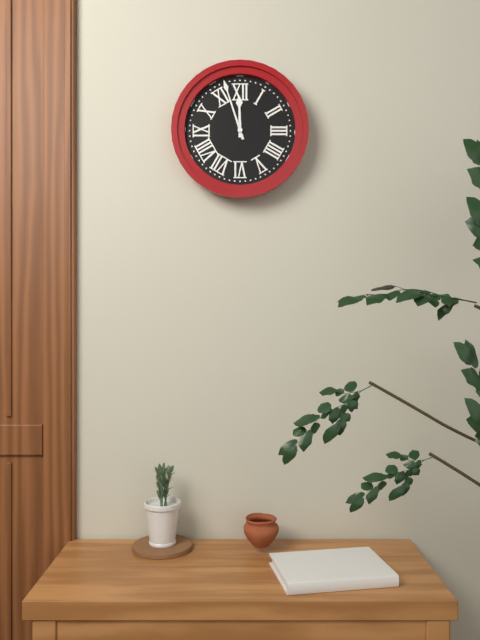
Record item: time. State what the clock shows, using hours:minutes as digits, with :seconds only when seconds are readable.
11:57
